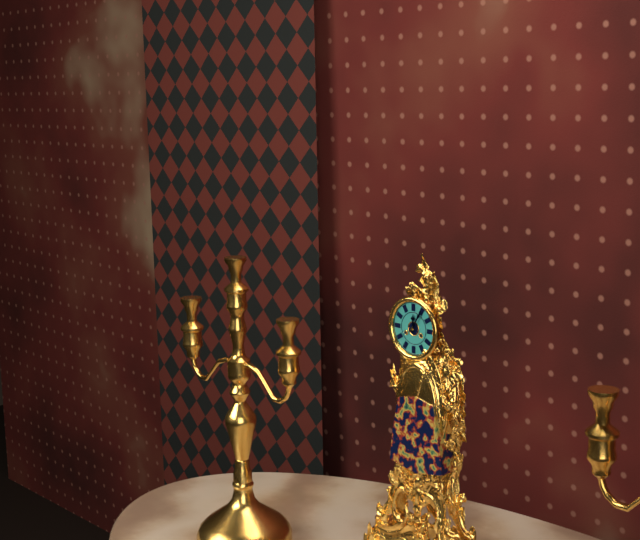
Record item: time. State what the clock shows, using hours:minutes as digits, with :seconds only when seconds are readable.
12:05
